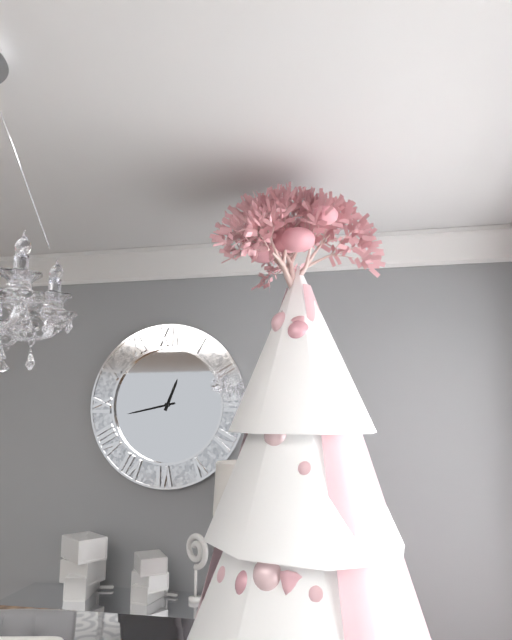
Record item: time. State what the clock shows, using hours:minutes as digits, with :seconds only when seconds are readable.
12:43
